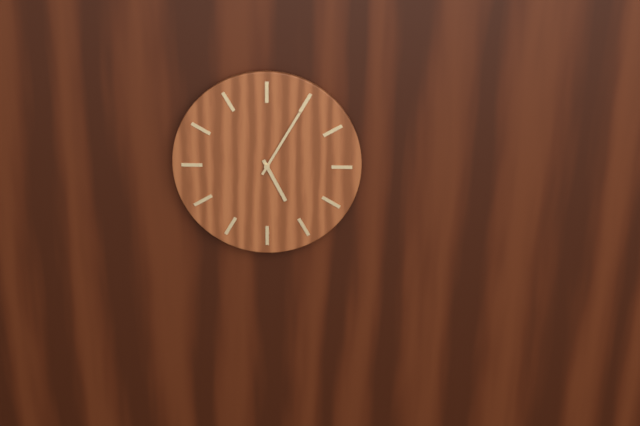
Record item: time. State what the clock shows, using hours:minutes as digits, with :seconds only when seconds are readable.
5:05
